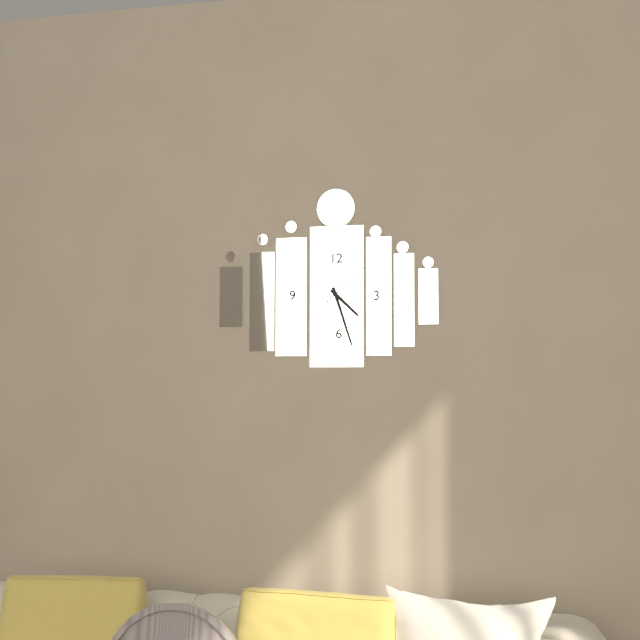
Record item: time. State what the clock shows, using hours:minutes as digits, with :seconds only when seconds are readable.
4:27:08
